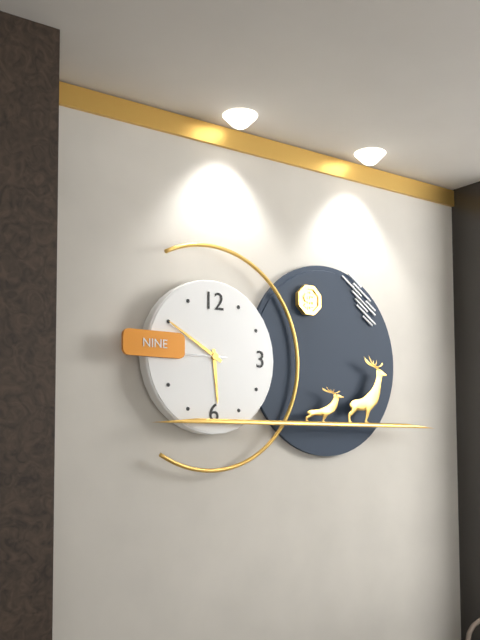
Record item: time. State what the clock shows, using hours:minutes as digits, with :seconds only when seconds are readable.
5:50
